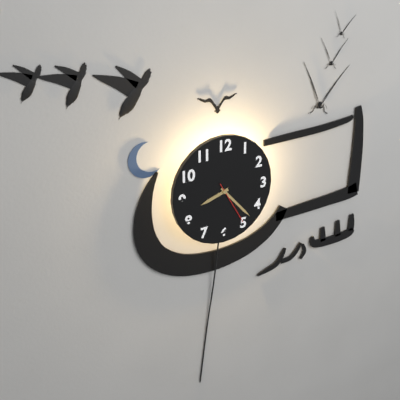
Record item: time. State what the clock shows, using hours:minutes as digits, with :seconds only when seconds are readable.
8:23:25
